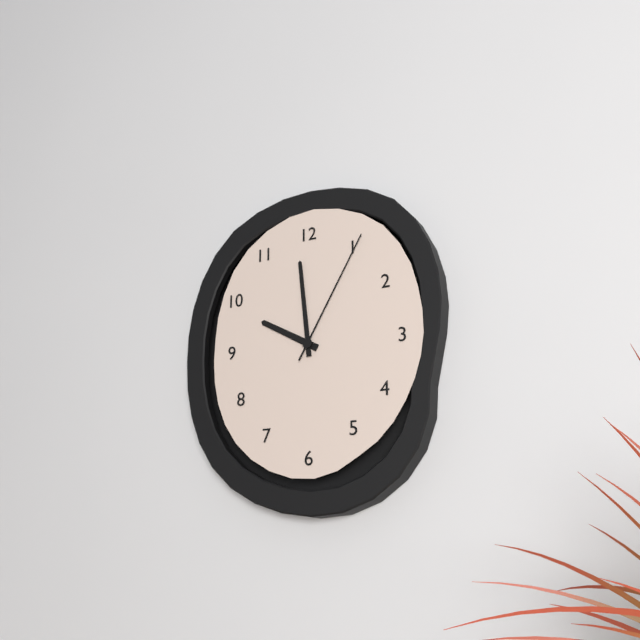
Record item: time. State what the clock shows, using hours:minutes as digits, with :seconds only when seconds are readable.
9:59:05
